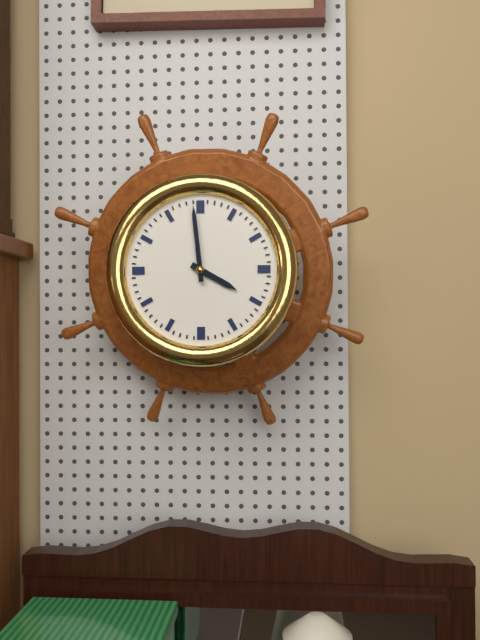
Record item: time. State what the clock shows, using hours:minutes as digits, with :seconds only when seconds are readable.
3:59
